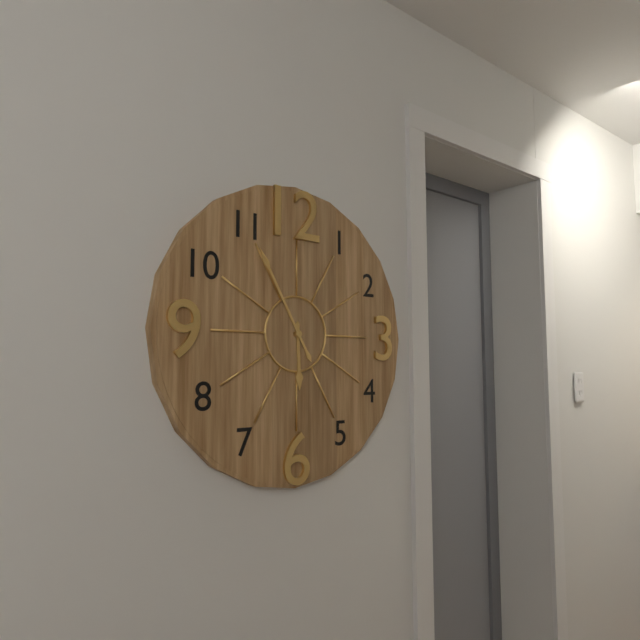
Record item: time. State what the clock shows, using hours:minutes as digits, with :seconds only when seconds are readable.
5:55
